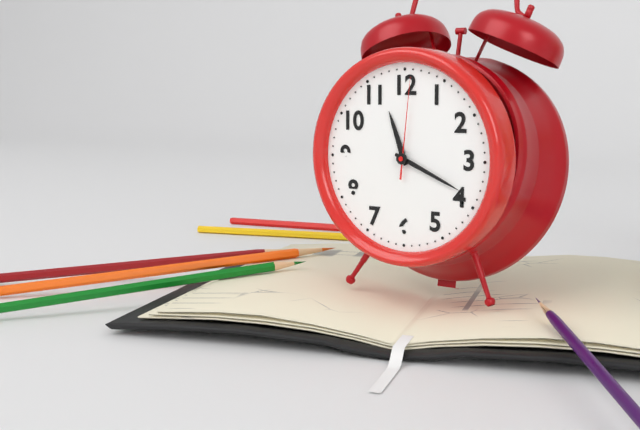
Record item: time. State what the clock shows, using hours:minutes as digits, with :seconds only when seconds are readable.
11:19:01
